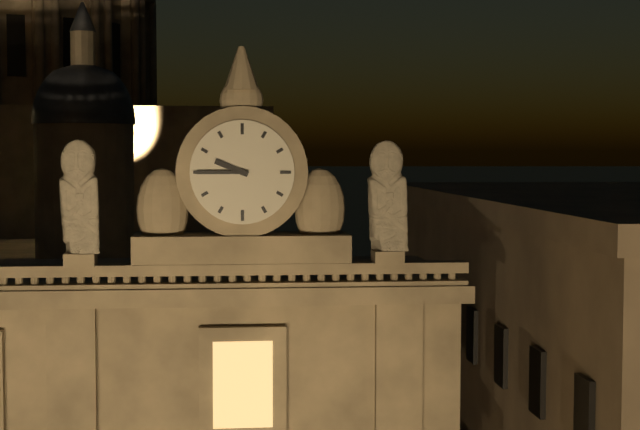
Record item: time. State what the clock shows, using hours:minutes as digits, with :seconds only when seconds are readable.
9:45
